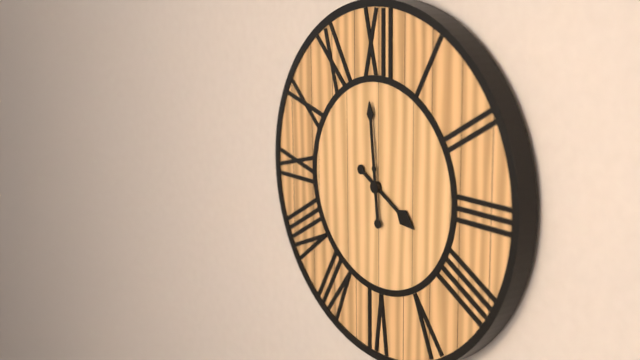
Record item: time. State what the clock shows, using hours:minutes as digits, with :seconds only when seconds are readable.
3:59
